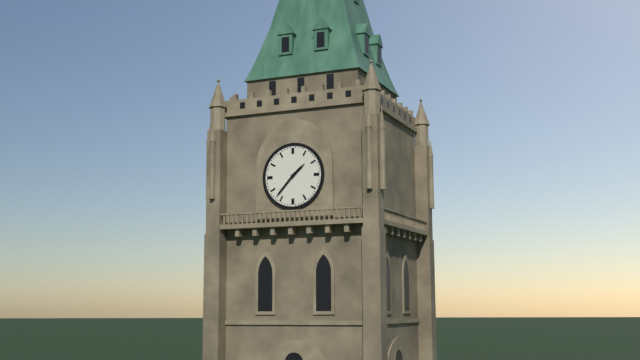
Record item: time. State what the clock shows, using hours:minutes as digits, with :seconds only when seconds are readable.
1:37
